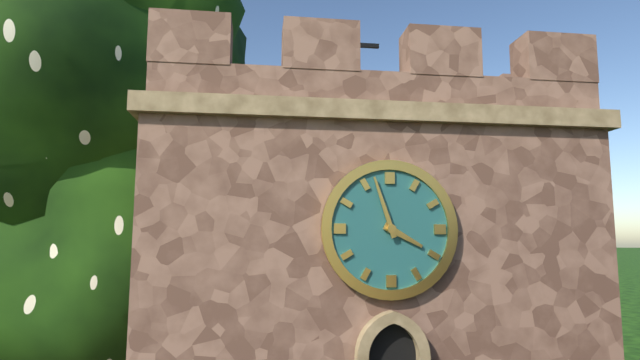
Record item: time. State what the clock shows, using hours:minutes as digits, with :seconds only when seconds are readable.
3:57
